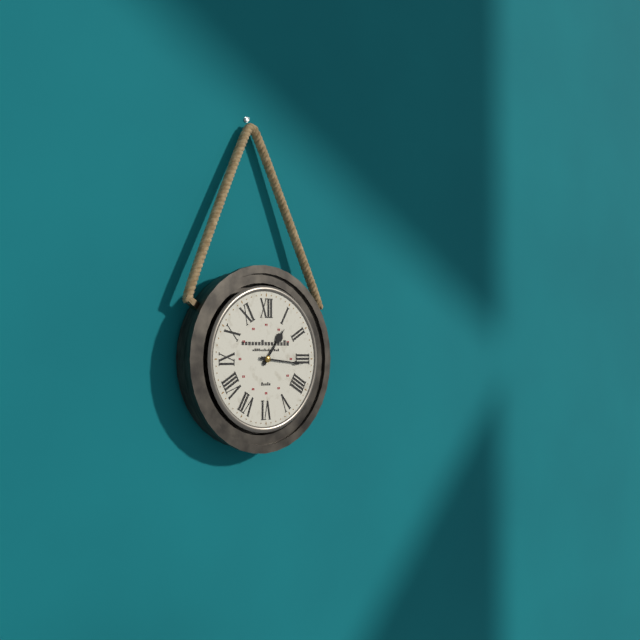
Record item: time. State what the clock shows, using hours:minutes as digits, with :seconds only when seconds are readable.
1:16
